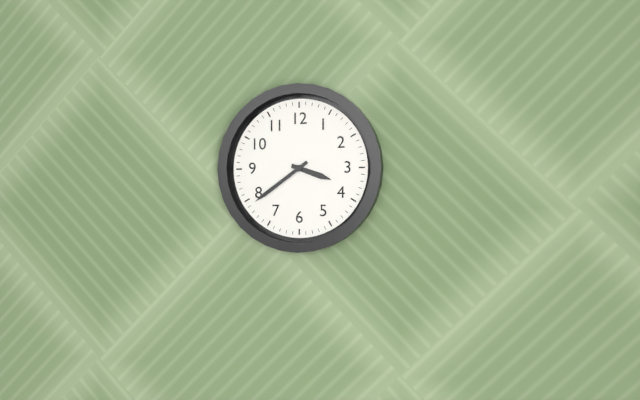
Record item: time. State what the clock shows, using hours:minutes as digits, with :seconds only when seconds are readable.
3:39
